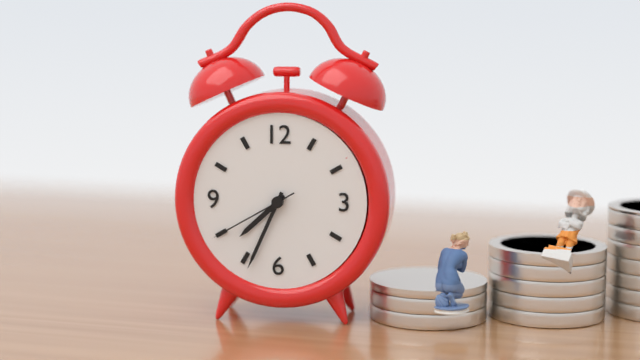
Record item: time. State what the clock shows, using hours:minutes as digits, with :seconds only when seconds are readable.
7:34:40
